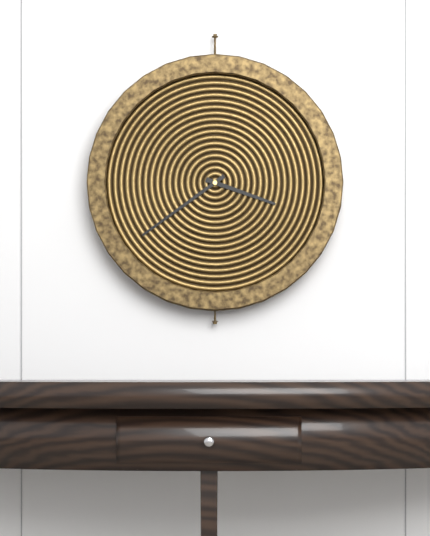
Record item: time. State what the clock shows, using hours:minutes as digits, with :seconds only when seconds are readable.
3:39
